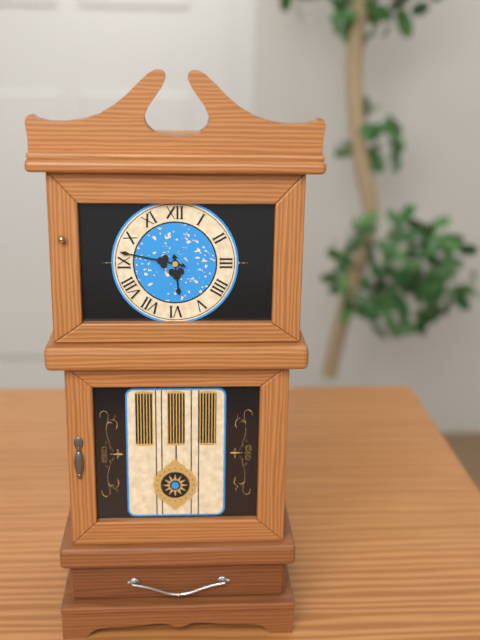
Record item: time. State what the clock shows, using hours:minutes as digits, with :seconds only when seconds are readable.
5:47
